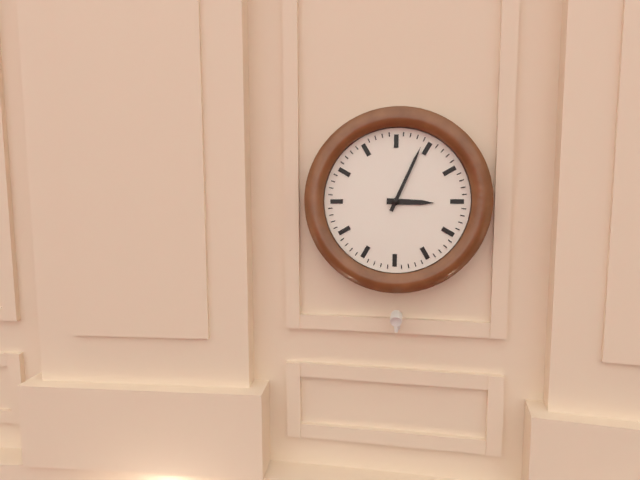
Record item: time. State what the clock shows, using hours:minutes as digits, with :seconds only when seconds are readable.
3:04
